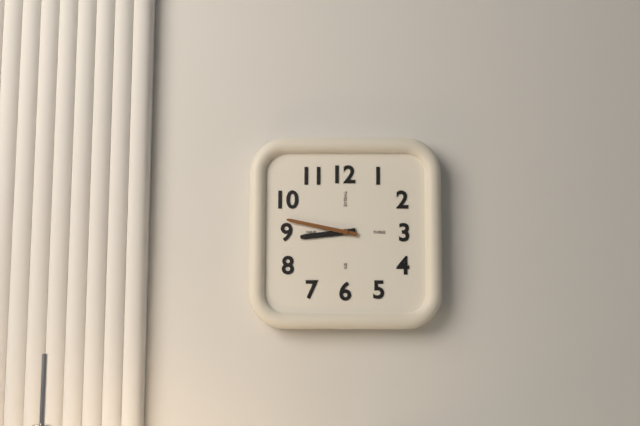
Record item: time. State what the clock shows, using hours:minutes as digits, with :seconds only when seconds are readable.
8:47
